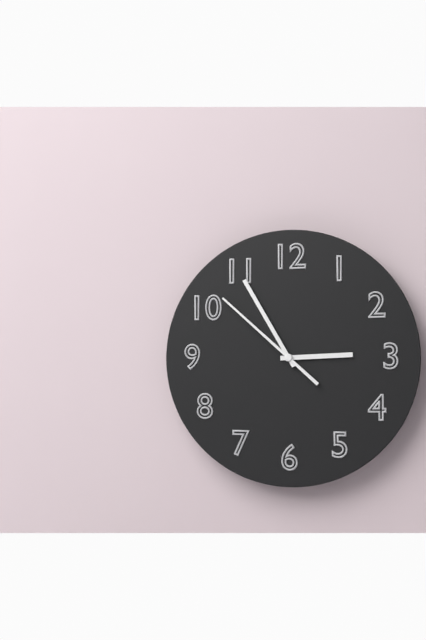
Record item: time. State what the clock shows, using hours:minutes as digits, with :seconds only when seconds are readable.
2:55:52
